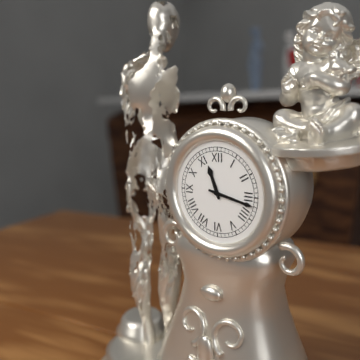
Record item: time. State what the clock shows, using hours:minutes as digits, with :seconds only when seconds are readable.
11:17
